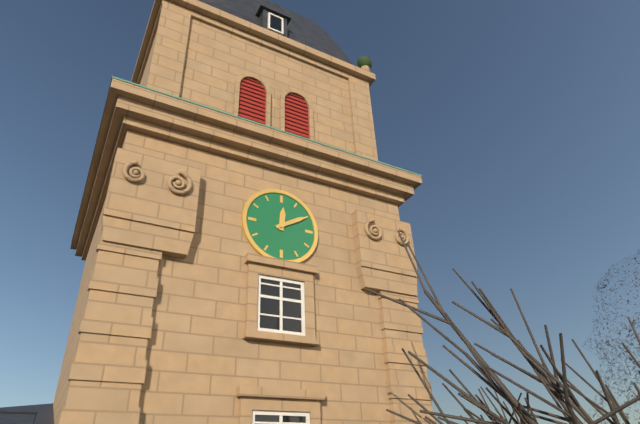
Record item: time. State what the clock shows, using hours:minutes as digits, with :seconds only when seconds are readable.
12:10
